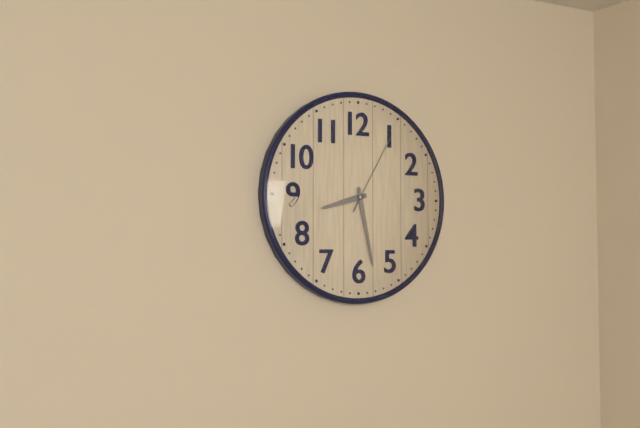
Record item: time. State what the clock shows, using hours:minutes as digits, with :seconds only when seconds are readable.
8:28:05
